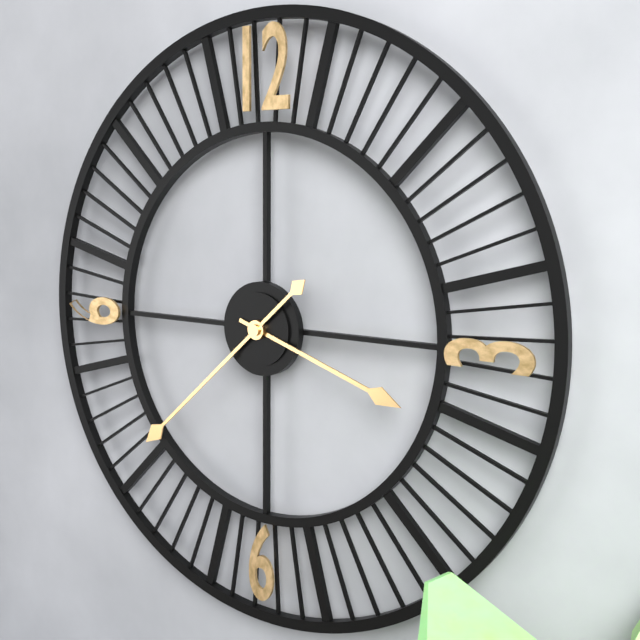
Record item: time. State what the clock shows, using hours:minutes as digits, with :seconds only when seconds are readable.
3:38
